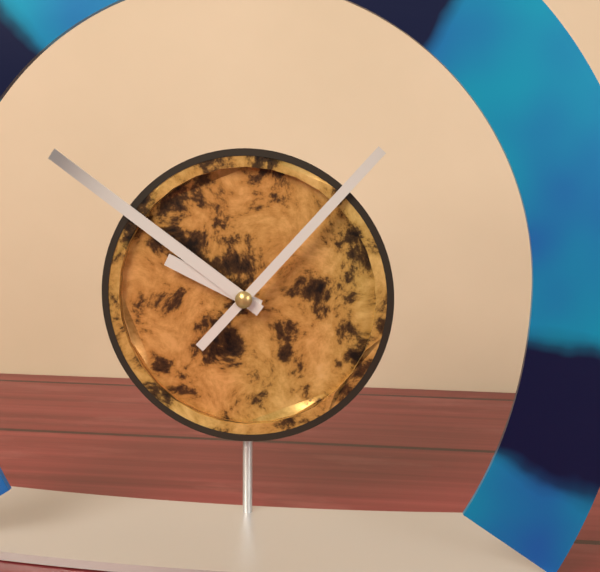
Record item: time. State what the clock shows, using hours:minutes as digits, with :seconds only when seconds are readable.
9:51:07
